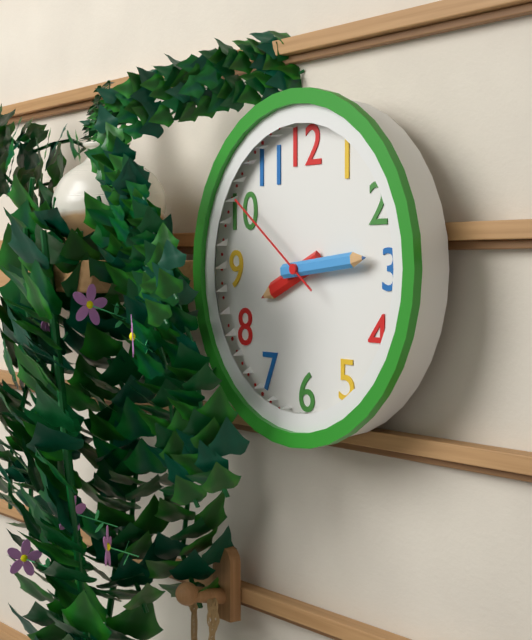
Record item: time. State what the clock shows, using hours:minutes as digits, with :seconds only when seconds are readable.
8:14:51
